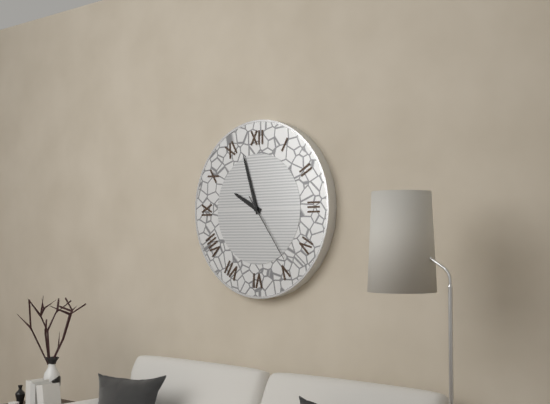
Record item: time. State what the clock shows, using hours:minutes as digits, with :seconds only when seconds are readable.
9:57:24
